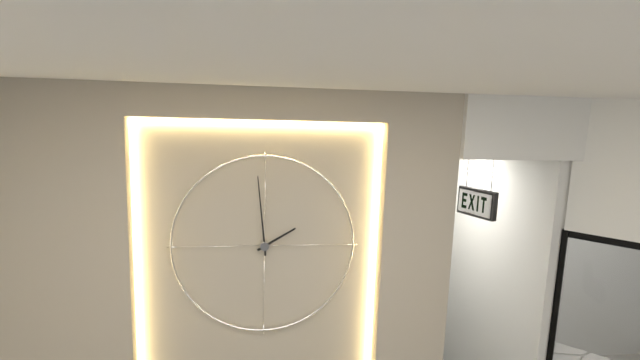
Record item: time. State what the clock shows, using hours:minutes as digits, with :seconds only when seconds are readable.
1:59
